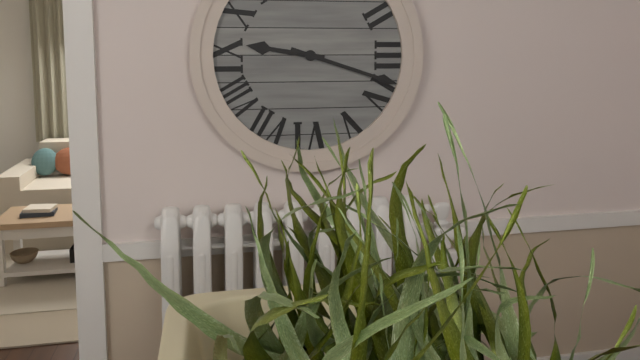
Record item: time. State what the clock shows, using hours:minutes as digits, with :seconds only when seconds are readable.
9:18
